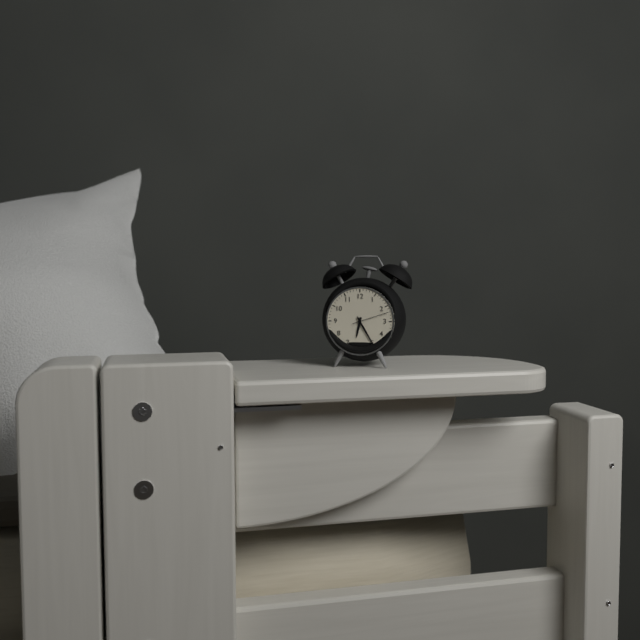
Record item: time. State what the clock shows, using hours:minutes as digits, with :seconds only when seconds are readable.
6:25
